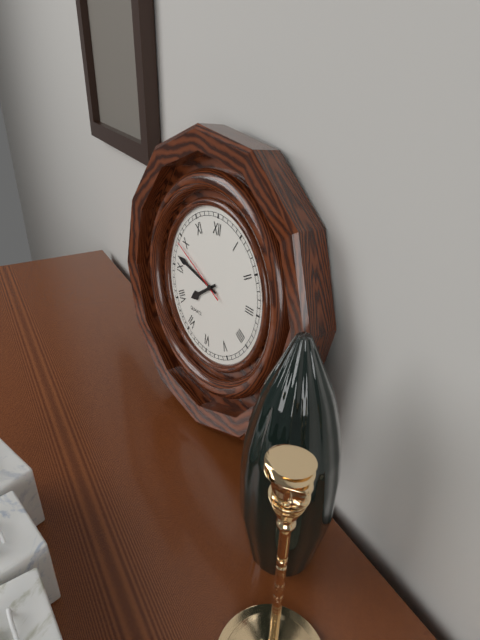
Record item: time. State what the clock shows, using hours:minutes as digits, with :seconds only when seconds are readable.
7:47:49
